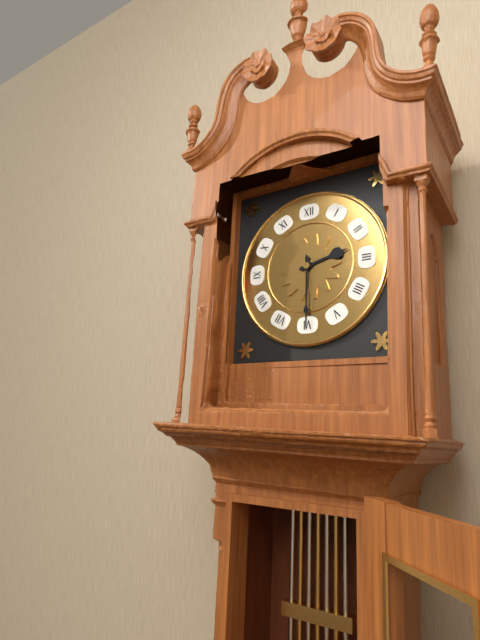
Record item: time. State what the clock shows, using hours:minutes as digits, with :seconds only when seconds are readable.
2:30
